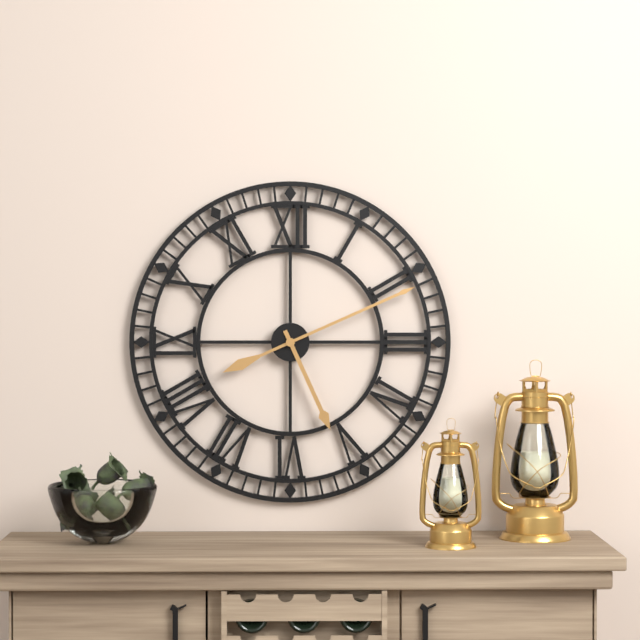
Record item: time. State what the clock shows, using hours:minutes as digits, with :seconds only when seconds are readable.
5:11
